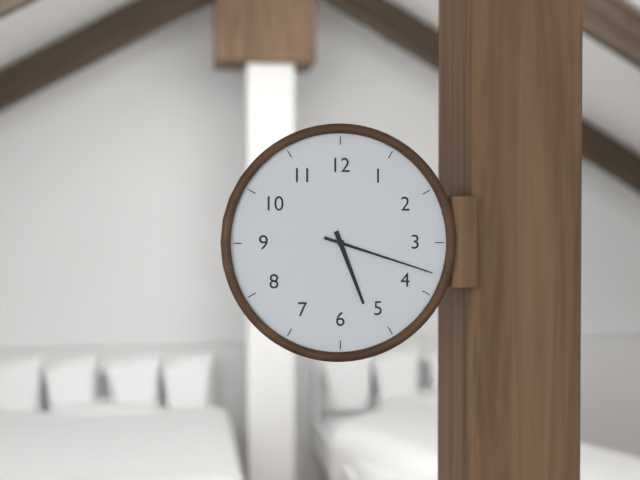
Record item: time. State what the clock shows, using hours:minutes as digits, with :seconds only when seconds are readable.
5:18
